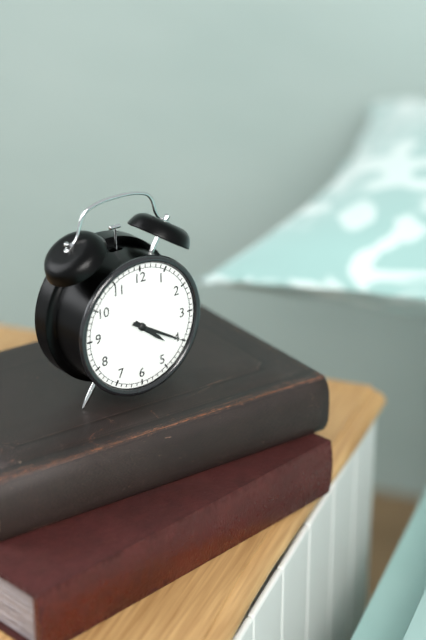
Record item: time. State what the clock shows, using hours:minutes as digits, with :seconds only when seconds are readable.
4:20
